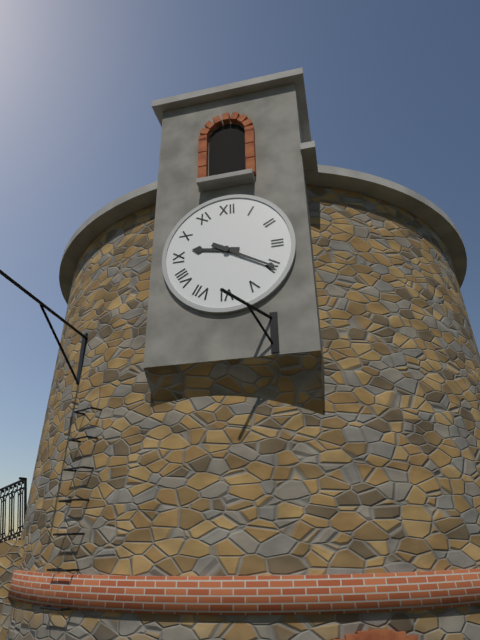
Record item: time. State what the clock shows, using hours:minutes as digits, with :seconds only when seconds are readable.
9:20
